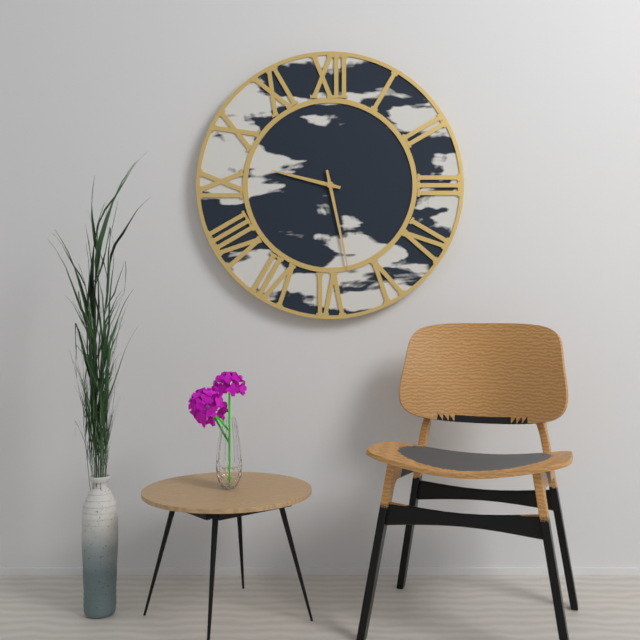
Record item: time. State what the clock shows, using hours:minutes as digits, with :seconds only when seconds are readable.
9:28
